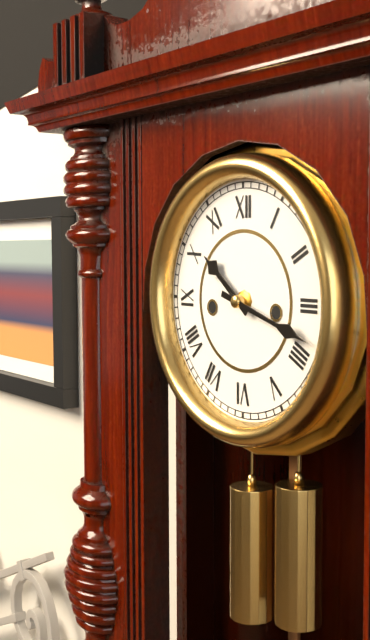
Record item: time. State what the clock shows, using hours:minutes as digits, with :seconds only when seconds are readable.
10:18
